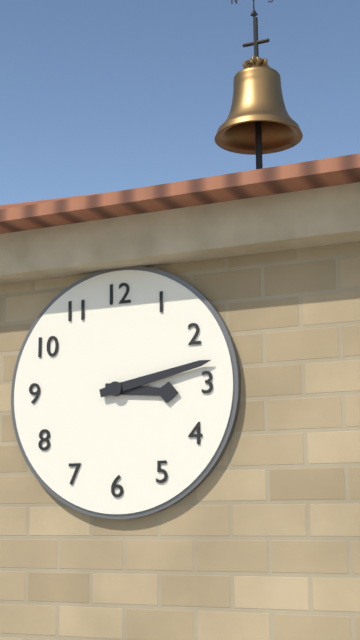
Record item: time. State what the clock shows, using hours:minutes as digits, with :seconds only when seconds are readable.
3:13
